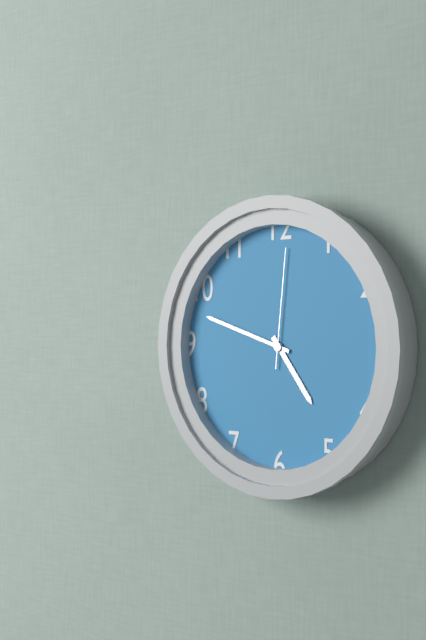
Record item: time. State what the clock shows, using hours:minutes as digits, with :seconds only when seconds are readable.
4:48:01
